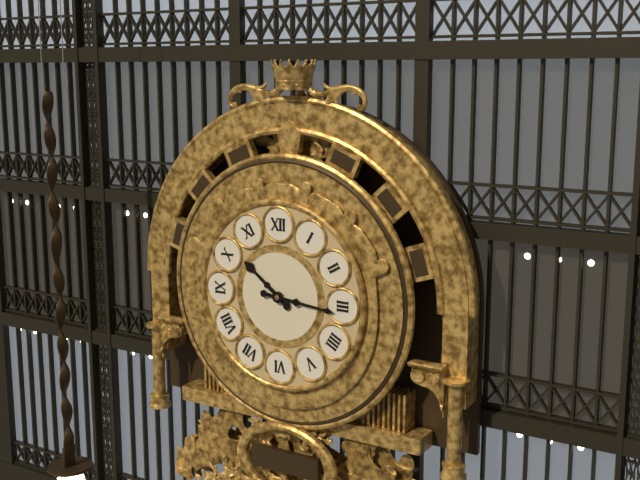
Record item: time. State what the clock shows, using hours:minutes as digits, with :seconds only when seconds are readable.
10:16
